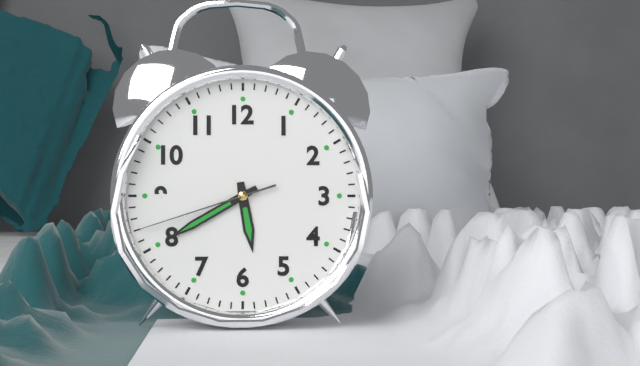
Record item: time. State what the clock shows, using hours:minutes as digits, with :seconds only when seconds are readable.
5:40:42
